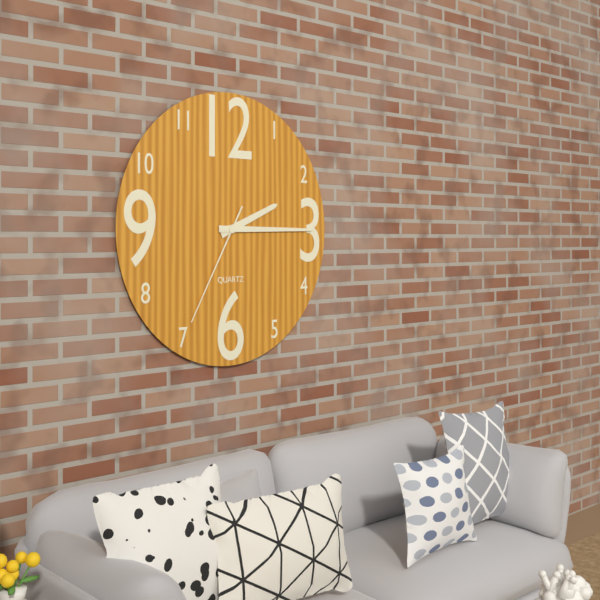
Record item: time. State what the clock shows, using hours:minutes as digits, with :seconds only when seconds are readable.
2:15:35
